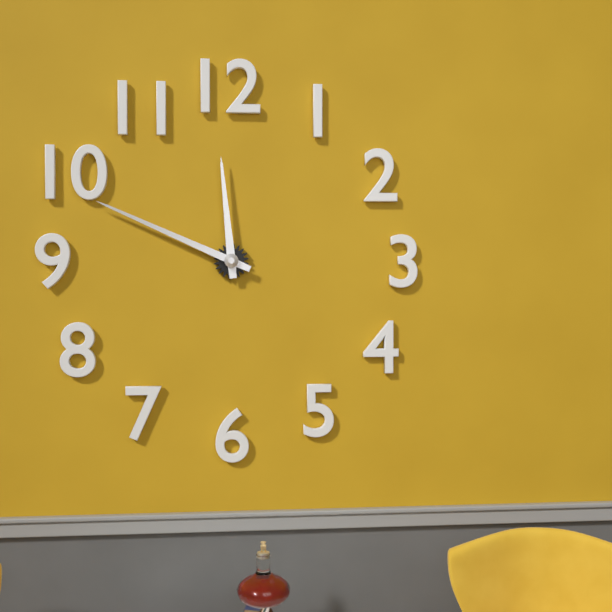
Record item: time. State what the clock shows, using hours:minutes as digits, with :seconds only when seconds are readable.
11:49
